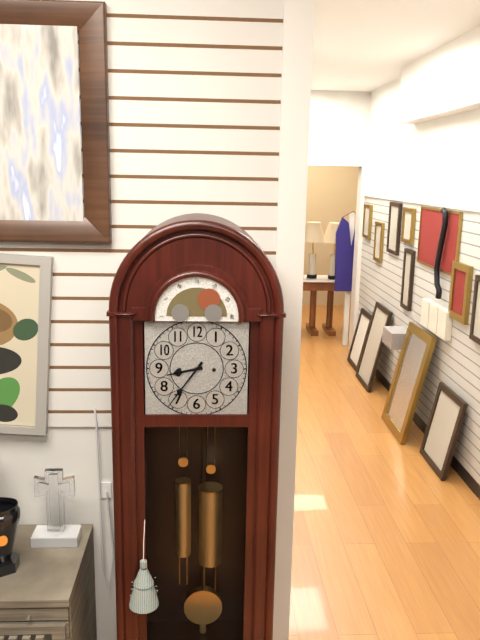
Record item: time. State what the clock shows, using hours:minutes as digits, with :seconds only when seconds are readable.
8:36
